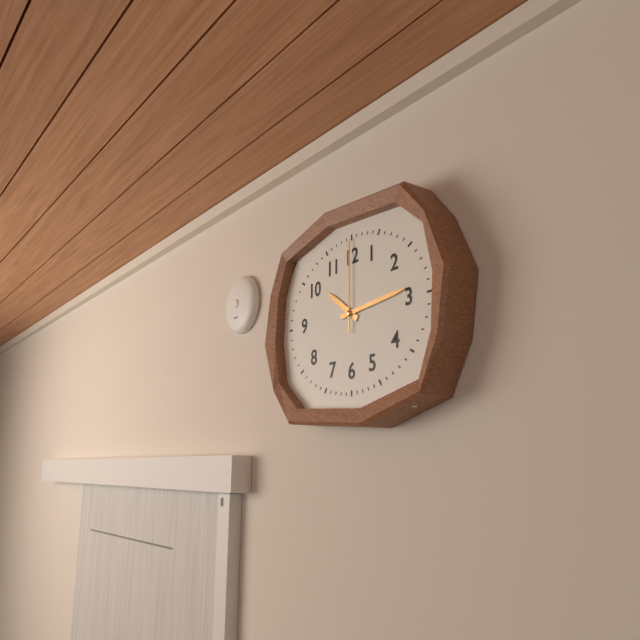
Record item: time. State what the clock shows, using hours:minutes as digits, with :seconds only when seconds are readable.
10:14:00
